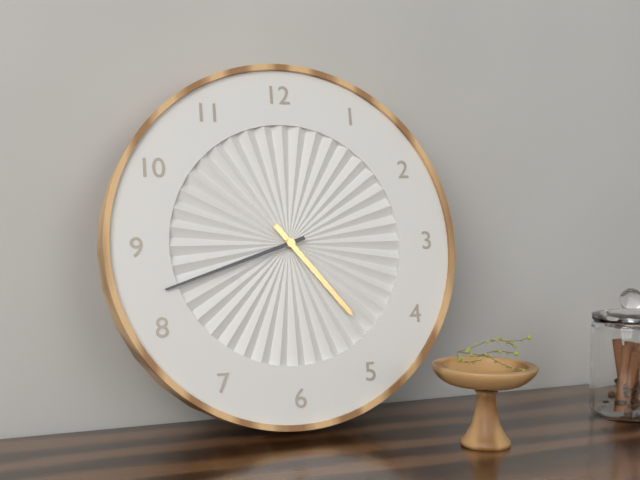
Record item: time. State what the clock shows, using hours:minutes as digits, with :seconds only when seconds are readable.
4:42
